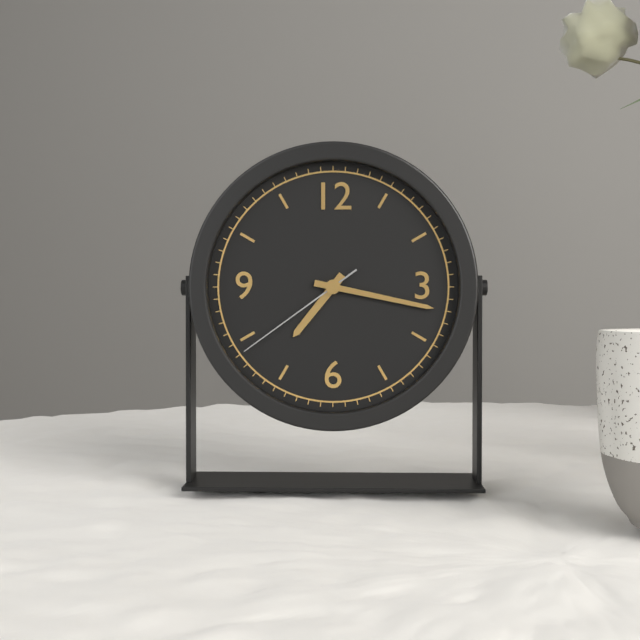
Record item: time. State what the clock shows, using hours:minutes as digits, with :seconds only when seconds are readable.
7:17:39
